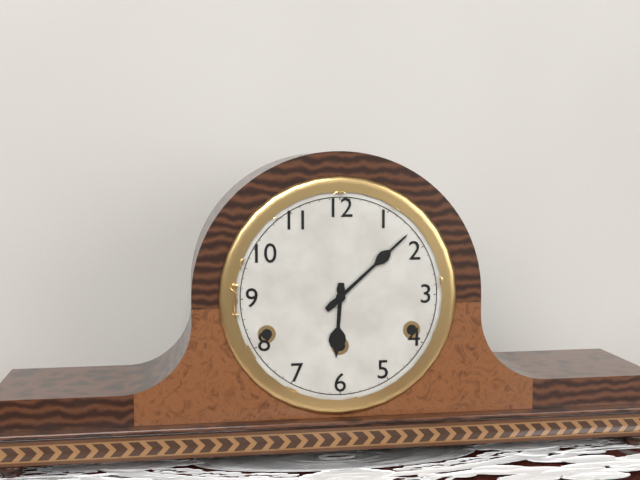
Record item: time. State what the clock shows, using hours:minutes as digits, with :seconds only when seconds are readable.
6:08
